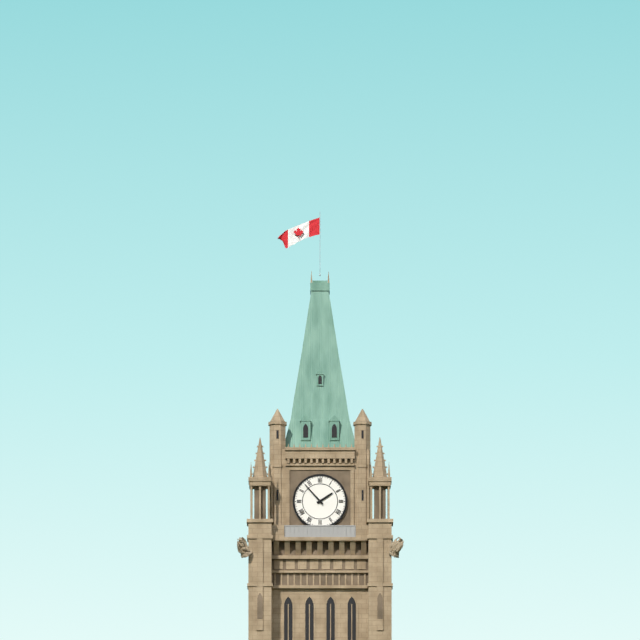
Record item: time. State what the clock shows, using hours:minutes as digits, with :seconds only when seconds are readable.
1:53
